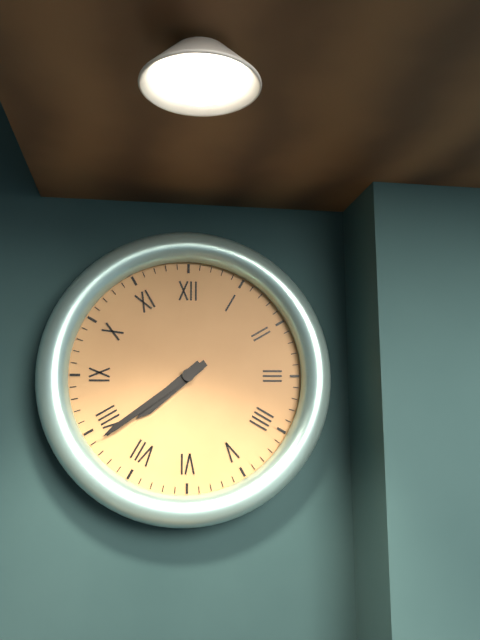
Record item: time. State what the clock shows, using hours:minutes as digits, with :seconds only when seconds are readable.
7:39
